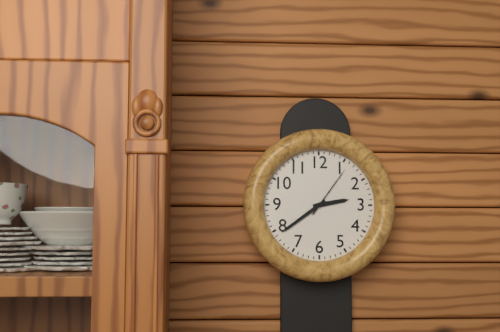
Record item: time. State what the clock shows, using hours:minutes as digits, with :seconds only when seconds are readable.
2:39:06
